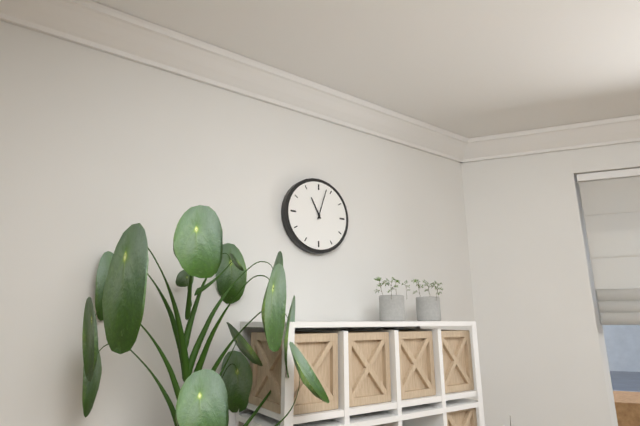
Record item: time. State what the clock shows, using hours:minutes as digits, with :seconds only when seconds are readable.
11:03
